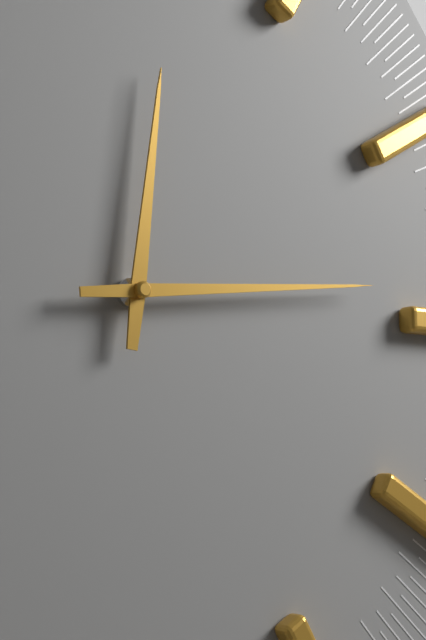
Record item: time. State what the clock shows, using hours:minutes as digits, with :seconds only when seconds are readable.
12:14
